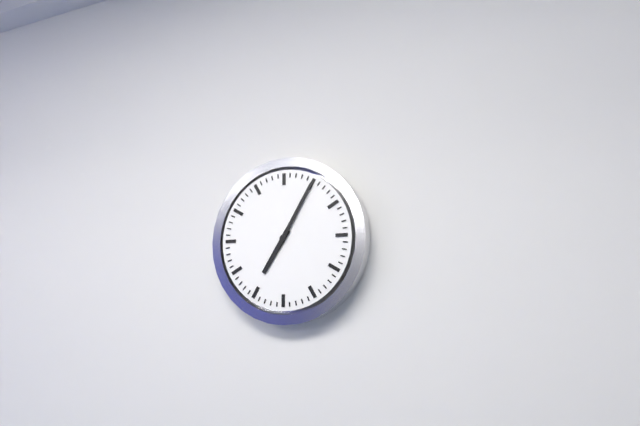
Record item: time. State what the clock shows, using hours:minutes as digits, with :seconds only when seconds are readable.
7:05
